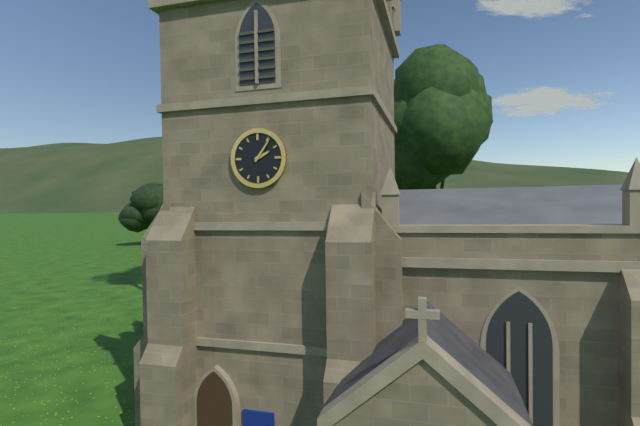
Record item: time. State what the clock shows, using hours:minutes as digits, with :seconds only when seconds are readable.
2:06
